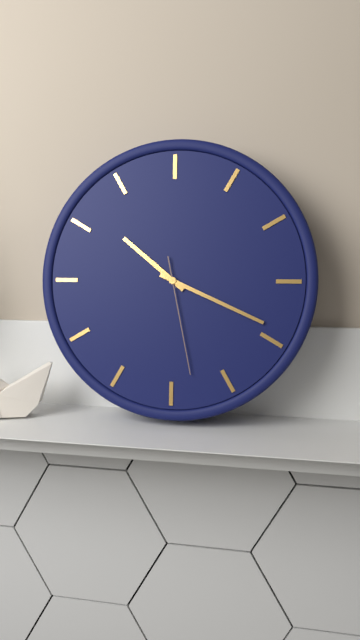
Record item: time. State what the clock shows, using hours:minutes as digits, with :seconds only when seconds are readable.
10:19:28
